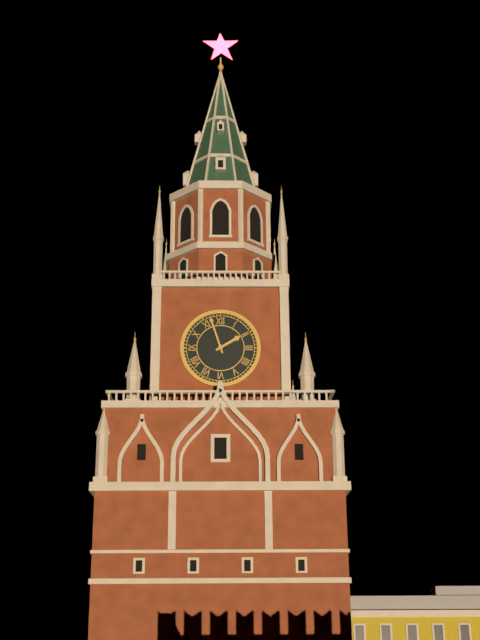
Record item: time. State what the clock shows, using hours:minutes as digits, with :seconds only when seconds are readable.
1:57
